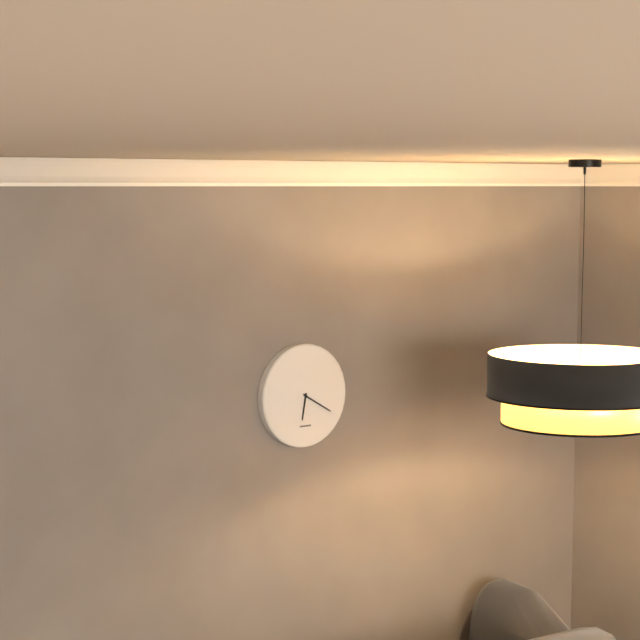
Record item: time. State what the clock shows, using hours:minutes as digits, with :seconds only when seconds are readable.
6:20
